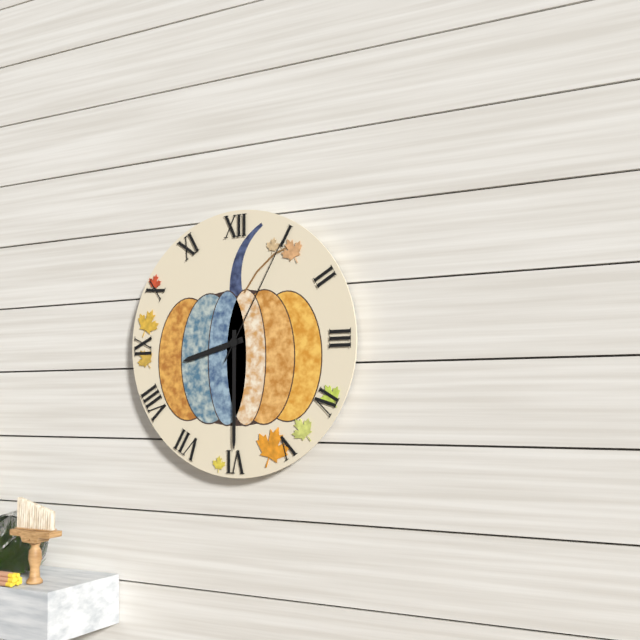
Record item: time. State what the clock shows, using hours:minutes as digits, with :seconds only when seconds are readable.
8:30:05
